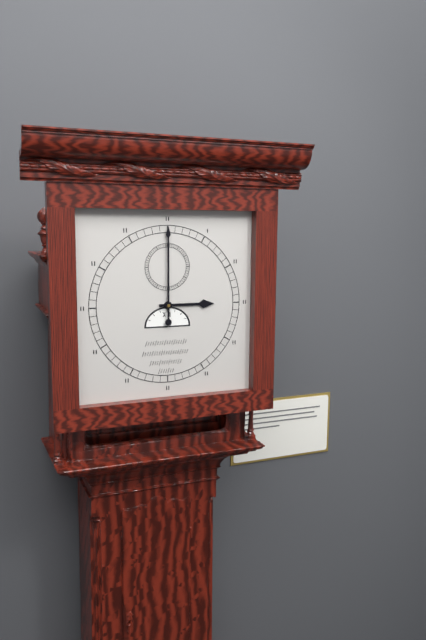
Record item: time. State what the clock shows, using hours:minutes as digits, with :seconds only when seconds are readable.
3:00
